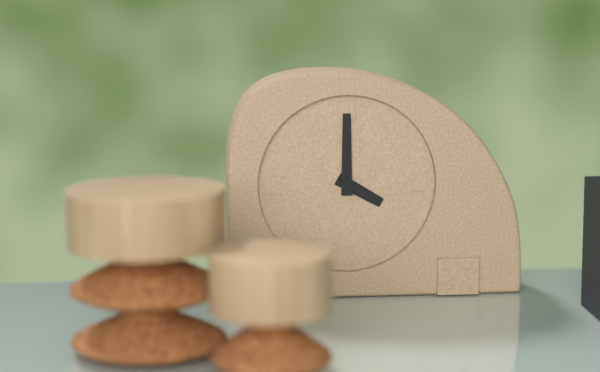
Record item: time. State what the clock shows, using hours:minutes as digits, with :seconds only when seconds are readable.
4:00
